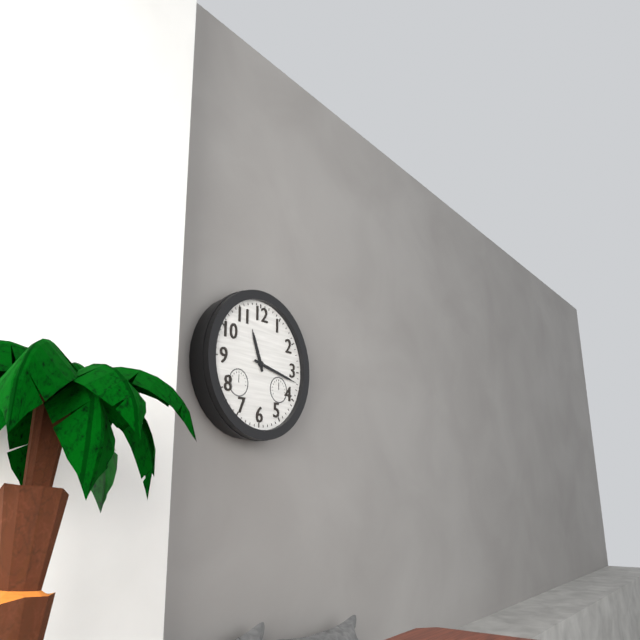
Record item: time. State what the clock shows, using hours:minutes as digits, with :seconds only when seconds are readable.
11:17
